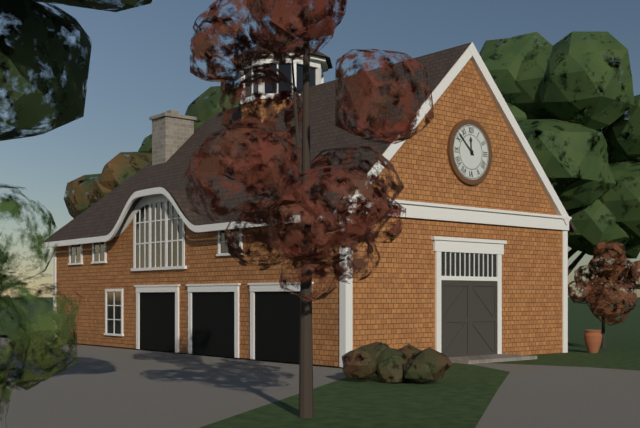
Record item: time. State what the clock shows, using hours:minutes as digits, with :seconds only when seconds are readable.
11:52
